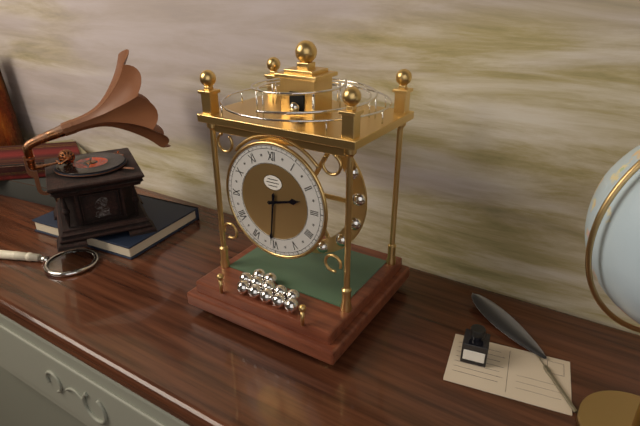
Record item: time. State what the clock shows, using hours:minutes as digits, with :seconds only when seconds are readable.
2:31
